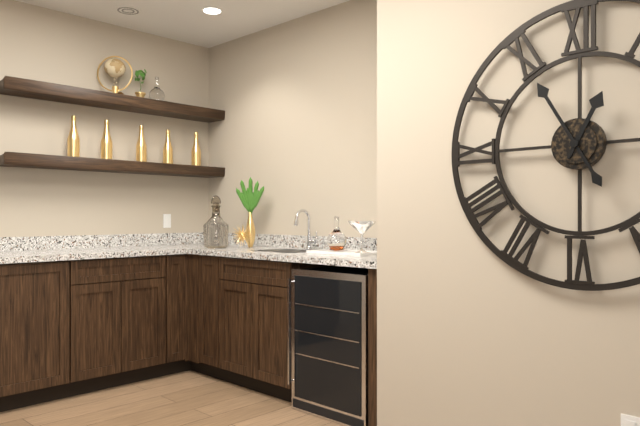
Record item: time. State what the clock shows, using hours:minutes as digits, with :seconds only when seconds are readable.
12:55
